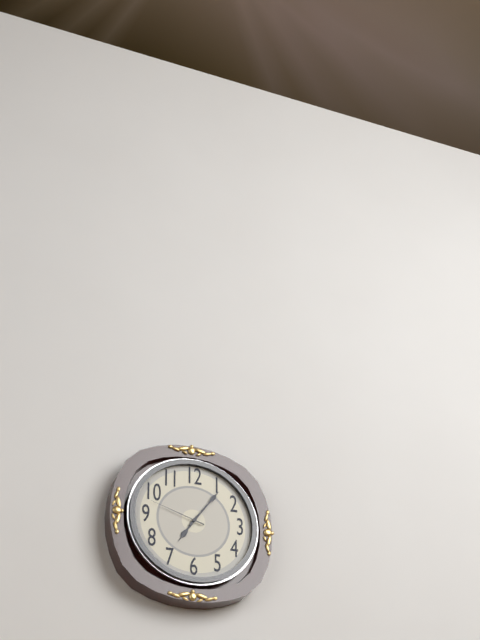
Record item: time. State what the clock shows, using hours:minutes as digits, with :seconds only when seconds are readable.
7:06:48
